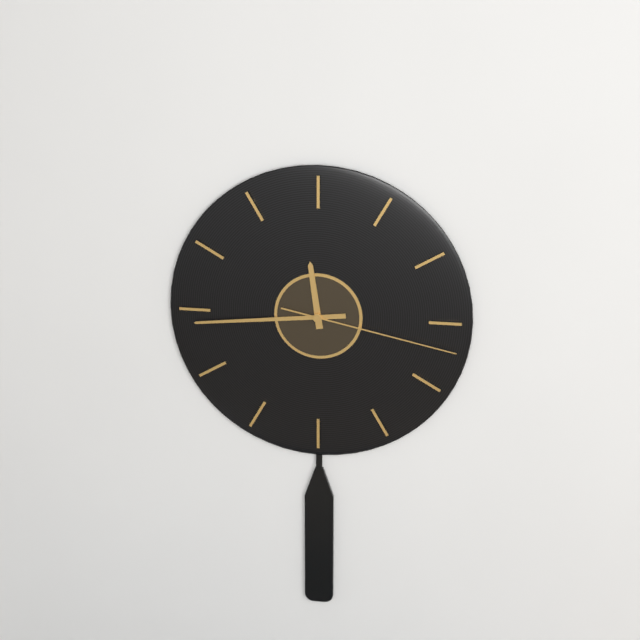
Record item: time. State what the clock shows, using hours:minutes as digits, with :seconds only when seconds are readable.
11:44:17
